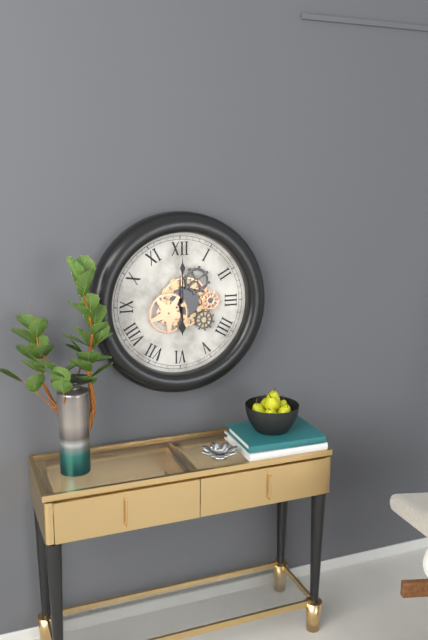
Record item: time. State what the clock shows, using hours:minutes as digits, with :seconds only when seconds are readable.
6:00
